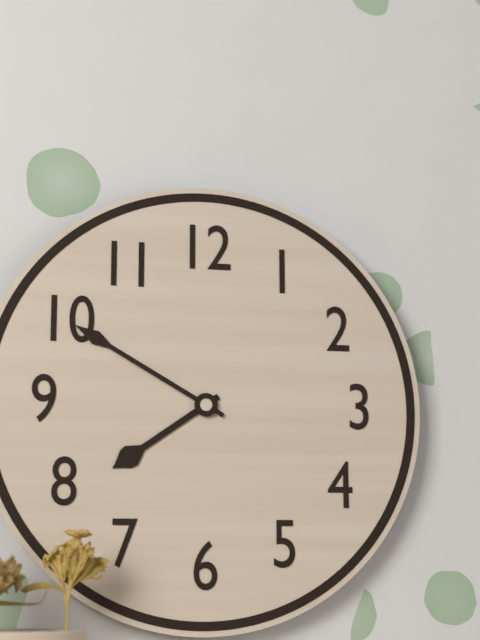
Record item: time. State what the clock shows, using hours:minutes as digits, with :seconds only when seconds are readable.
7:50
